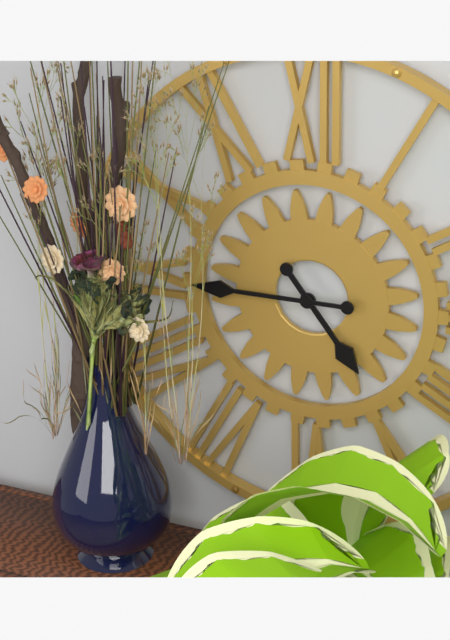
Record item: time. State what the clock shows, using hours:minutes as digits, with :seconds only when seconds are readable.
4:45
